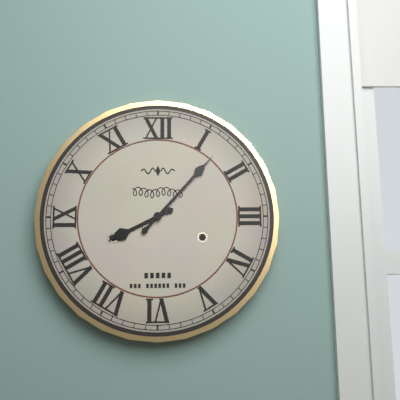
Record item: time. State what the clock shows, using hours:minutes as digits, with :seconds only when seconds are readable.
8:07
